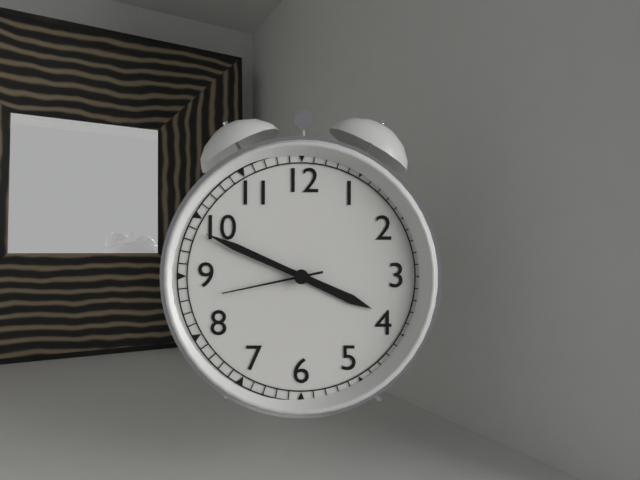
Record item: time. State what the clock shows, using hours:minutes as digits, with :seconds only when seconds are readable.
3:49:43
